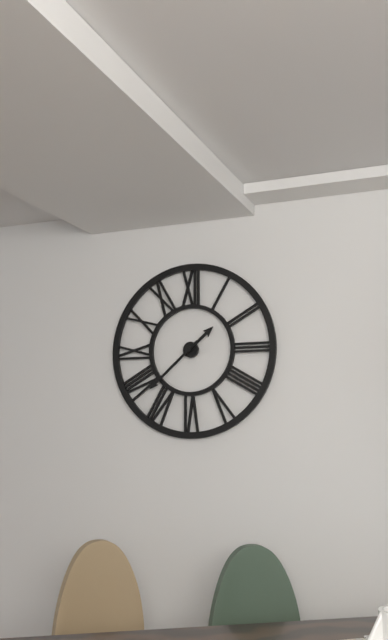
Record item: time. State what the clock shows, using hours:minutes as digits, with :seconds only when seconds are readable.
1:38
